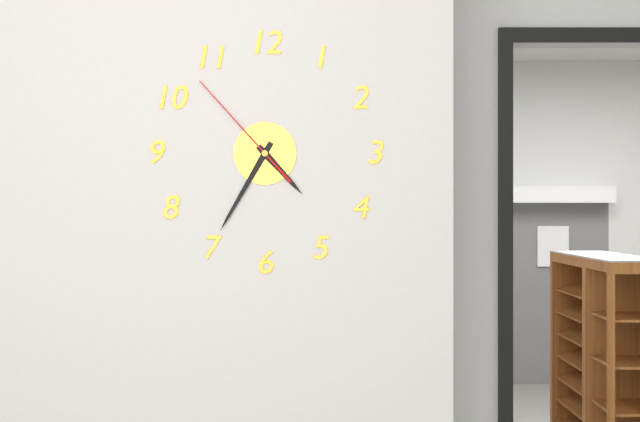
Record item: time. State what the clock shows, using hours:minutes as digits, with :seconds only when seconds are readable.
4:35:53
